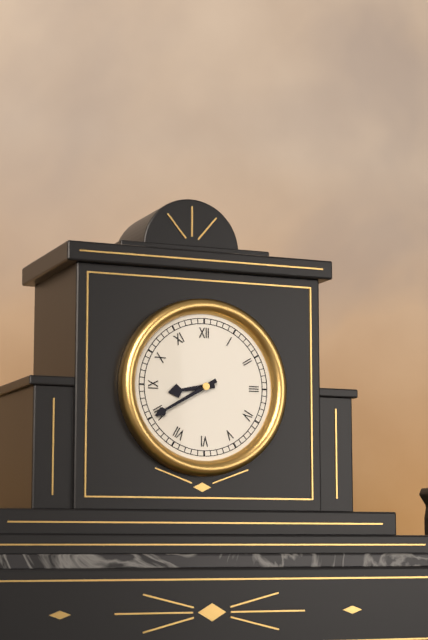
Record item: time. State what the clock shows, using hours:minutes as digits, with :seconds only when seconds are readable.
8:40
